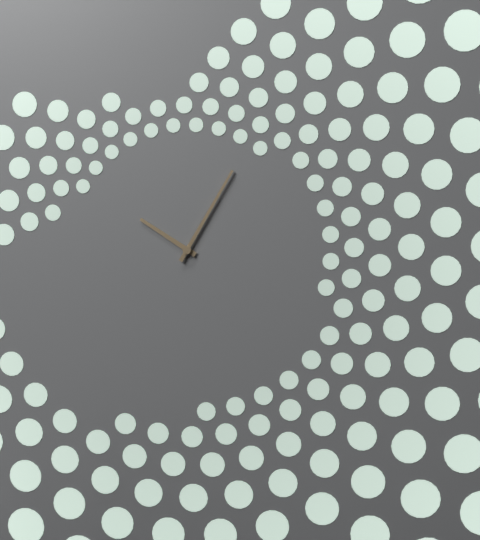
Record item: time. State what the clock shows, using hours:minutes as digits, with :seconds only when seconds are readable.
10:05
